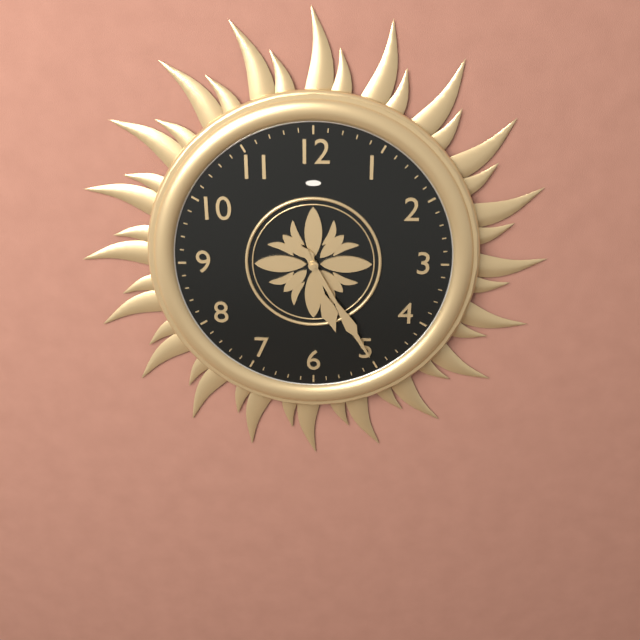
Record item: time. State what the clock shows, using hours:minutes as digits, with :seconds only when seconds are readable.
5:25
